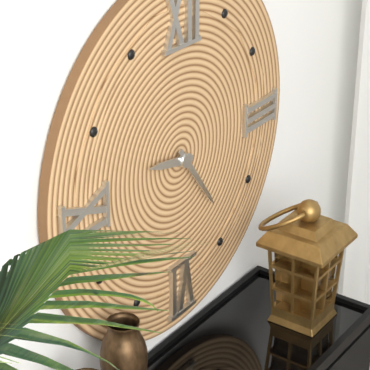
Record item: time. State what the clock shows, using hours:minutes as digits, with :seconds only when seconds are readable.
9:24
